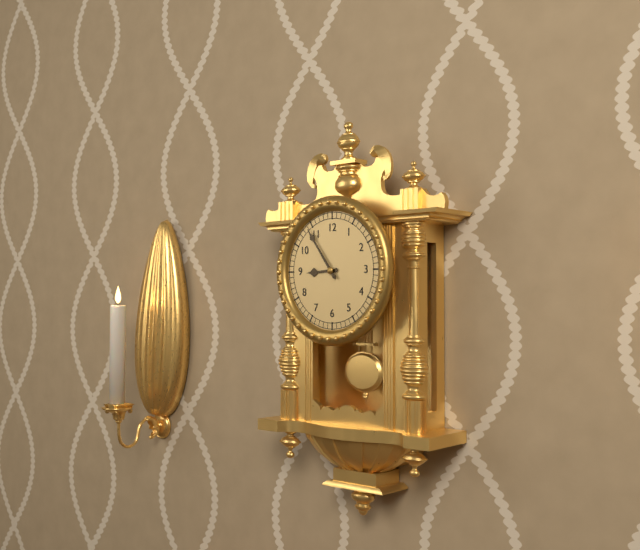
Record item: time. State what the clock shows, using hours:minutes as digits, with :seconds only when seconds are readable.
8:54
